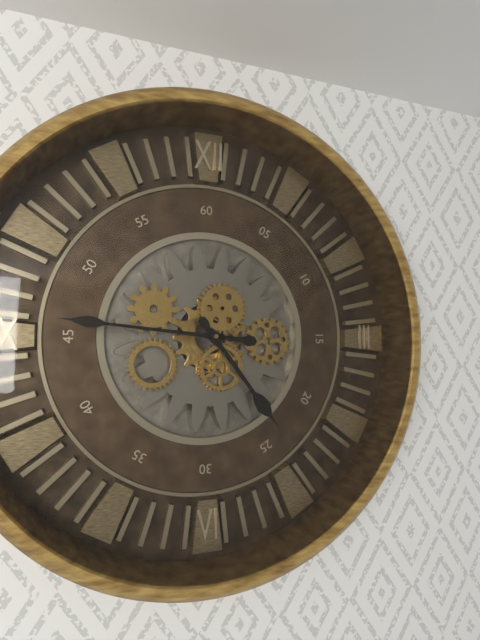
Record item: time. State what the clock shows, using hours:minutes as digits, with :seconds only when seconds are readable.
4:46
